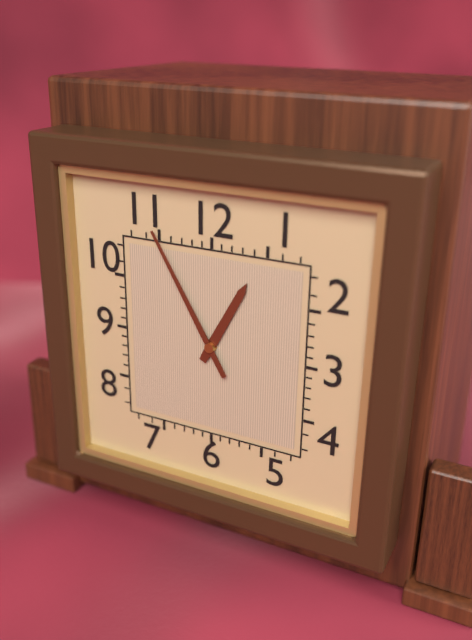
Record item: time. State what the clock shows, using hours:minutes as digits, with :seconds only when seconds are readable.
12:55
